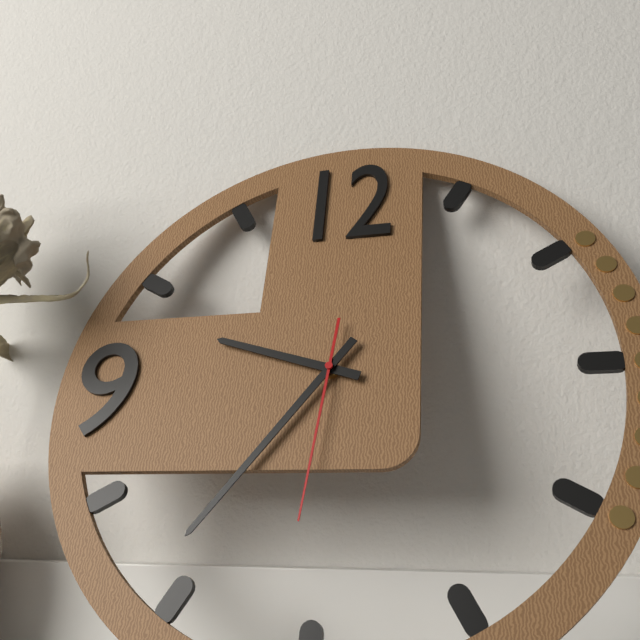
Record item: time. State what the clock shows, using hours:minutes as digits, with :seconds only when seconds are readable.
9:36:31
